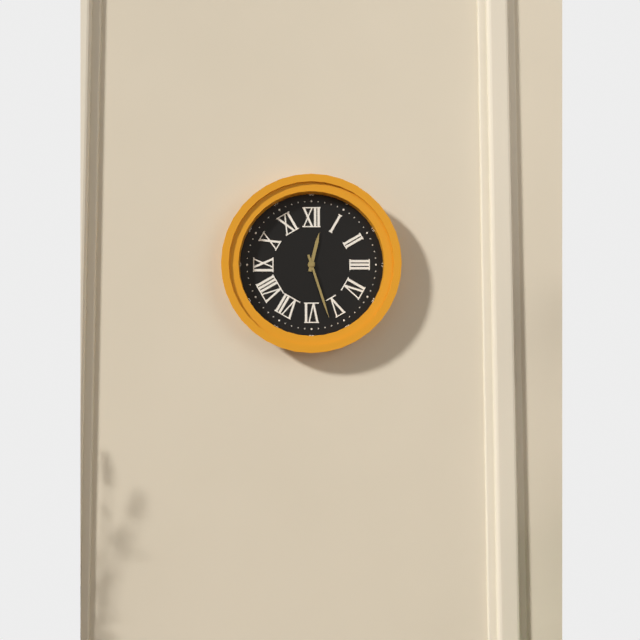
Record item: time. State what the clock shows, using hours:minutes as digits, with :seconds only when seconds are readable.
12:27
